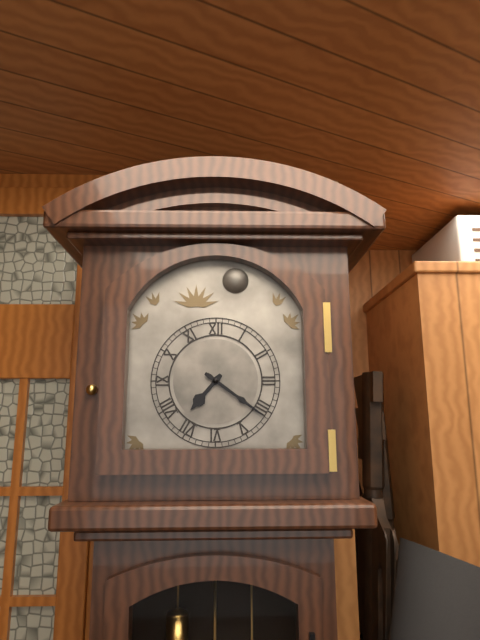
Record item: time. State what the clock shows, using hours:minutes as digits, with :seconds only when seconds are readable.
7:21
